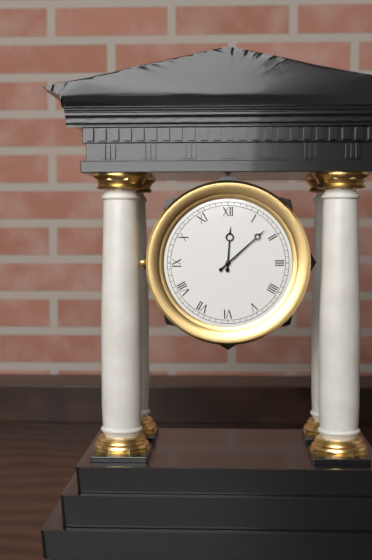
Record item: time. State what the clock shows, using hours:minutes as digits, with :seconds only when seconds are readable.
12:08
